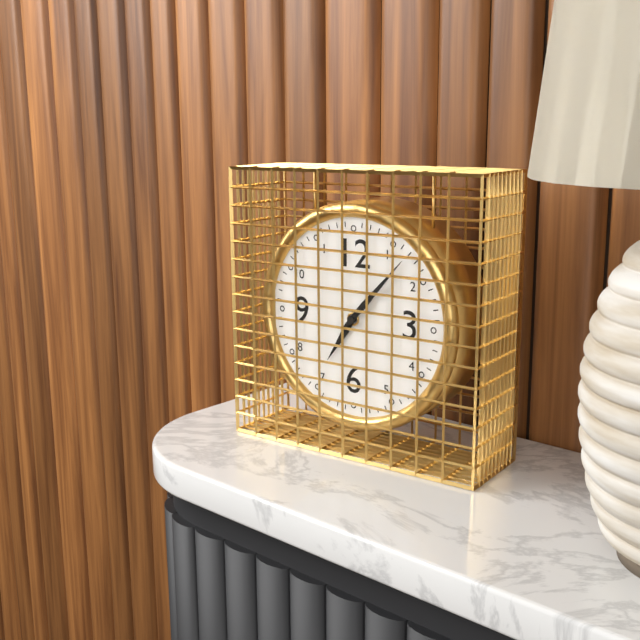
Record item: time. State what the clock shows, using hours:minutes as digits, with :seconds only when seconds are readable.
7:07
